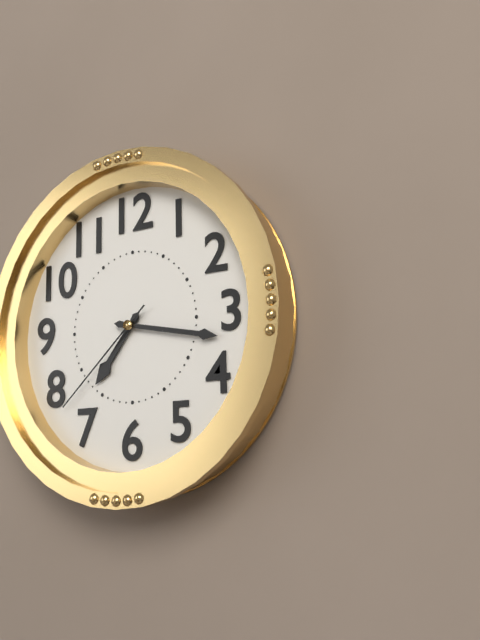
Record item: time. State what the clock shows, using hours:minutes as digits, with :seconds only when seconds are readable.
7:17:38
